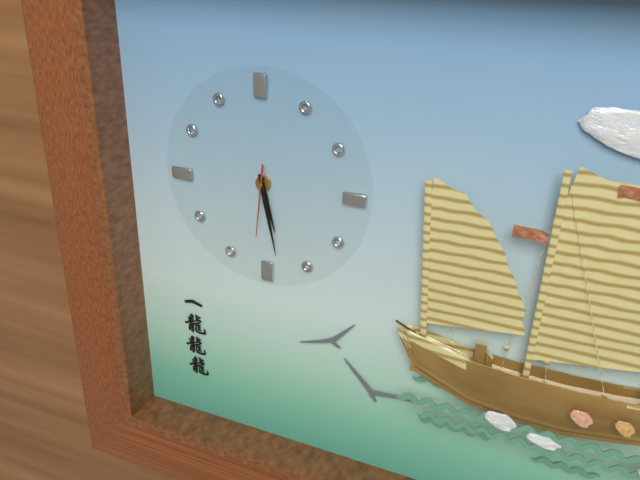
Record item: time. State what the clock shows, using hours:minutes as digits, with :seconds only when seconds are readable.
5:28:31
